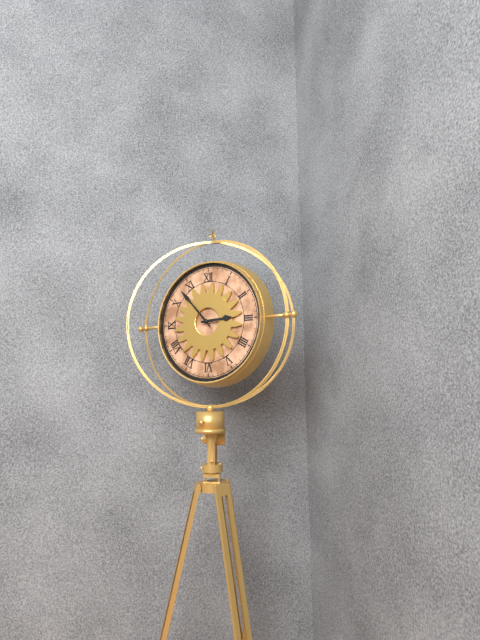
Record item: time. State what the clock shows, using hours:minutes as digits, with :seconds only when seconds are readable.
2:53
